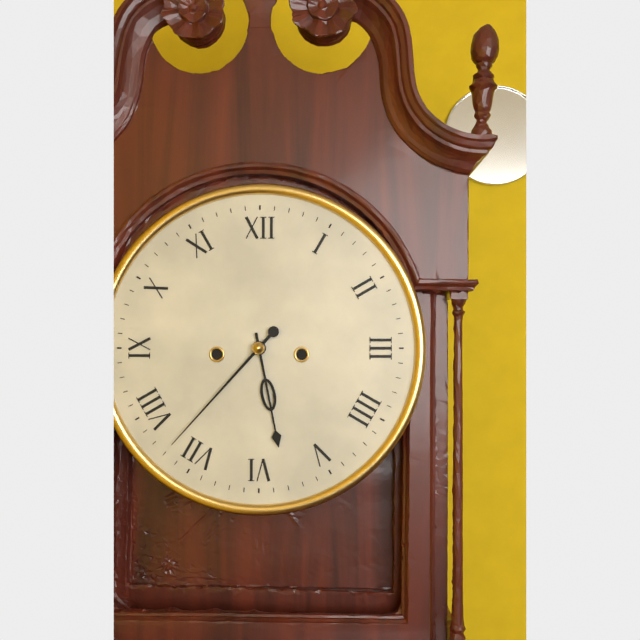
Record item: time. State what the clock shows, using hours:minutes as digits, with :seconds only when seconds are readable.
5:37
